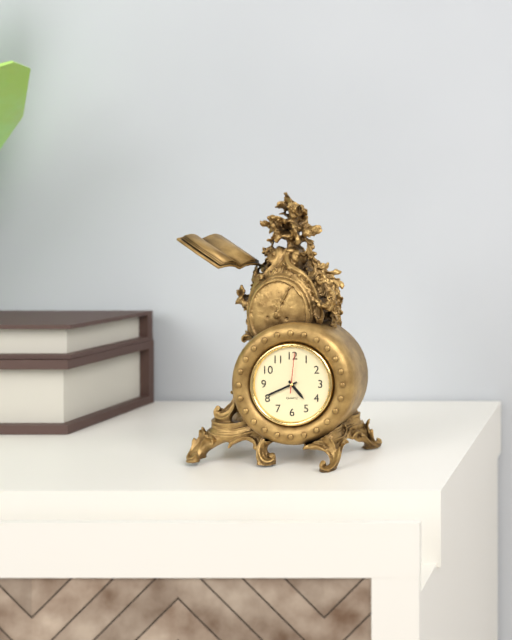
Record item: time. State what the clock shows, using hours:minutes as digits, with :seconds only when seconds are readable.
4:41
